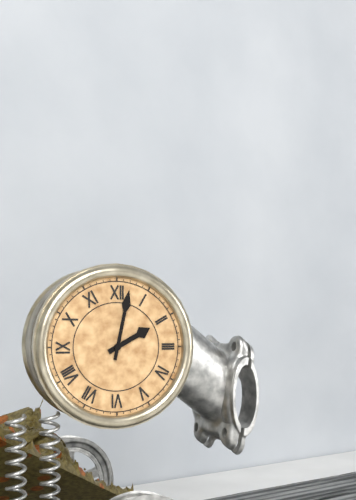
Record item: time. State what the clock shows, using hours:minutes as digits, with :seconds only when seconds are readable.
2:02
